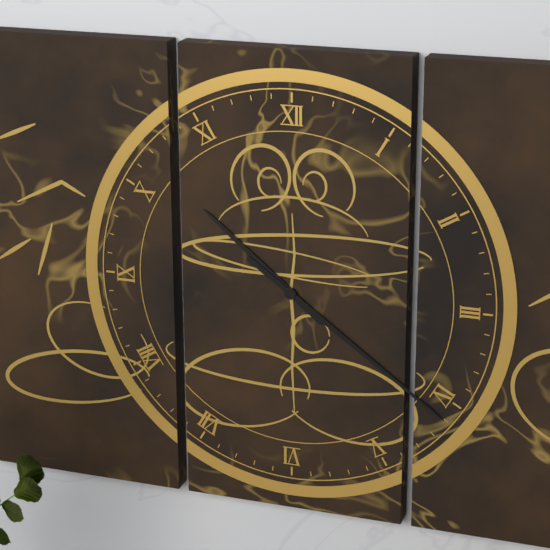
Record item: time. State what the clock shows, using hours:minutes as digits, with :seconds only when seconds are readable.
10:21
